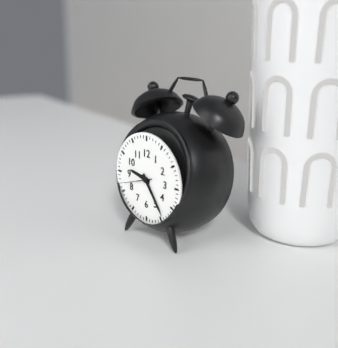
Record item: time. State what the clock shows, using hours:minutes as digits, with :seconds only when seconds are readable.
9:24
